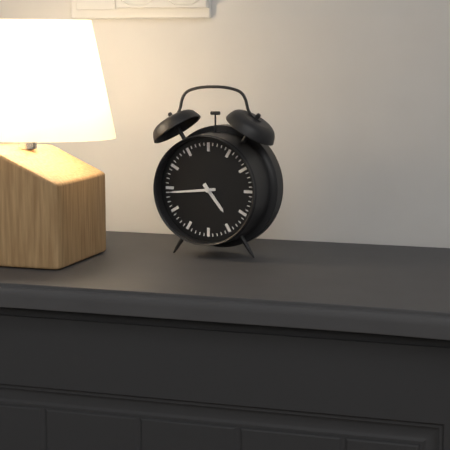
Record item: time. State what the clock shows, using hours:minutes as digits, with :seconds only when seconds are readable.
4:44
